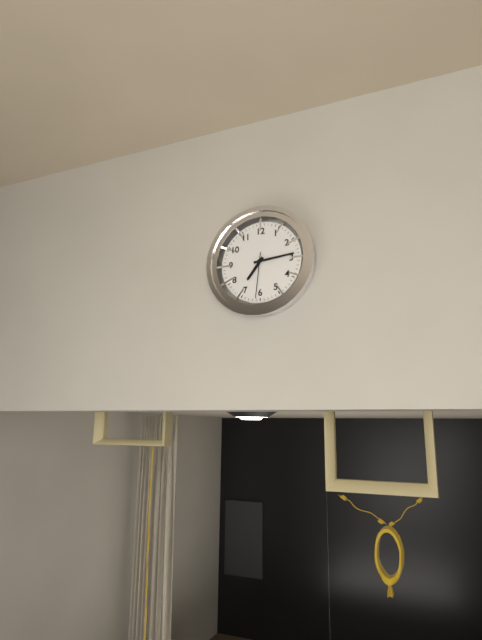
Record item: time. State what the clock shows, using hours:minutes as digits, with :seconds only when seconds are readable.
7:14
